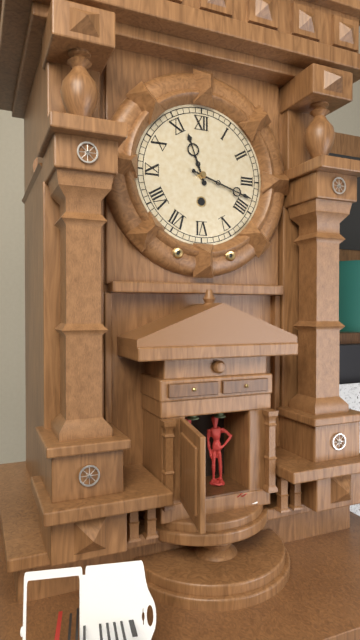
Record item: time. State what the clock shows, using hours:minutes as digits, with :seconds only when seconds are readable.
11:18
